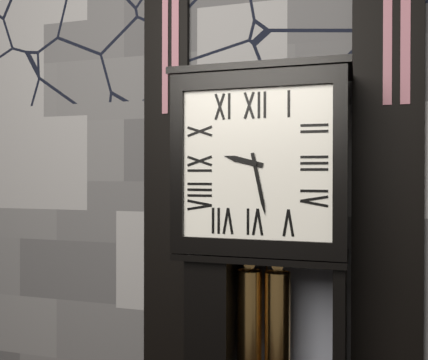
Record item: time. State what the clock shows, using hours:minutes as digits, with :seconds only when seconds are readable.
9:28
